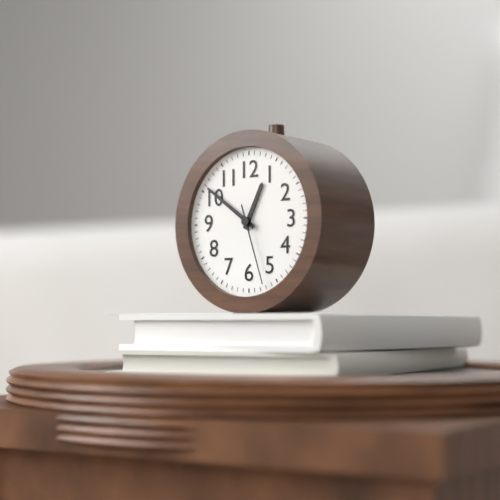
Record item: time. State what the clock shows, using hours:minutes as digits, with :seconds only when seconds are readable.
12:51:27
